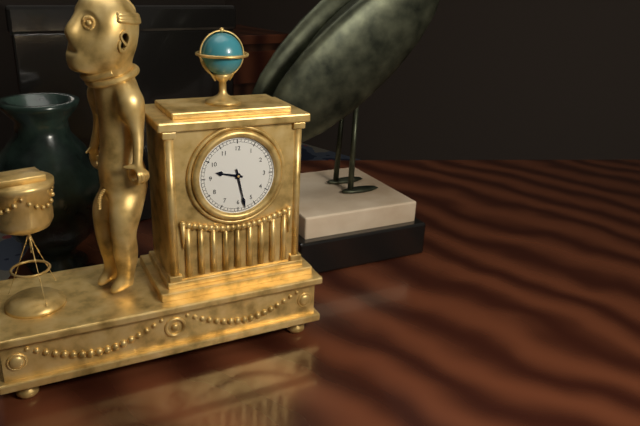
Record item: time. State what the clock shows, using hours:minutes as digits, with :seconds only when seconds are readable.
9:28
